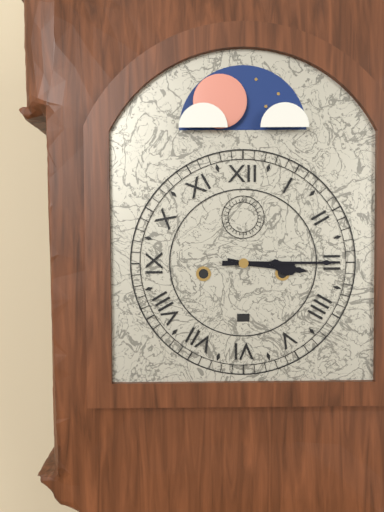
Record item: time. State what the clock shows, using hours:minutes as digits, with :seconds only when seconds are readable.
3:15
